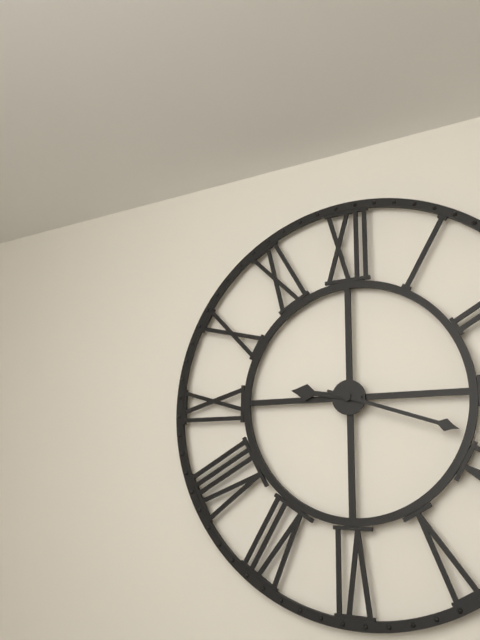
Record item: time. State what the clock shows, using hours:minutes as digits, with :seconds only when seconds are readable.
9:18
